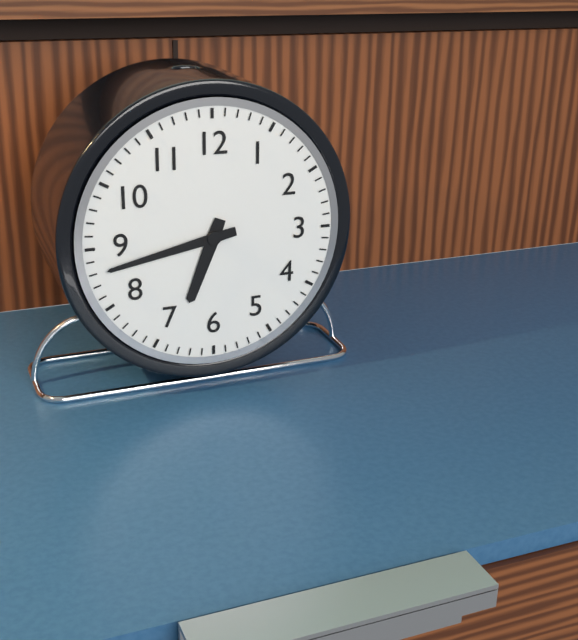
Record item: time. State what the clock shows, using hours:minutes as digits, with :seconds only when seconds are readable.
6:43
